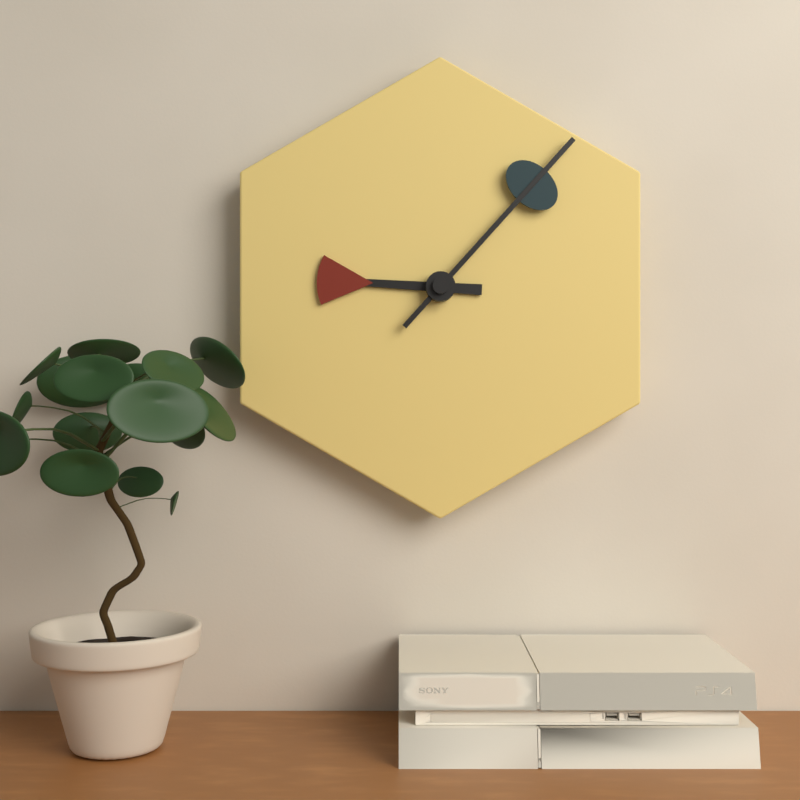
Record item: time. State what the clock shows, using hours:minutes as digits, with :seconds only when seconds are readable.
9:07
